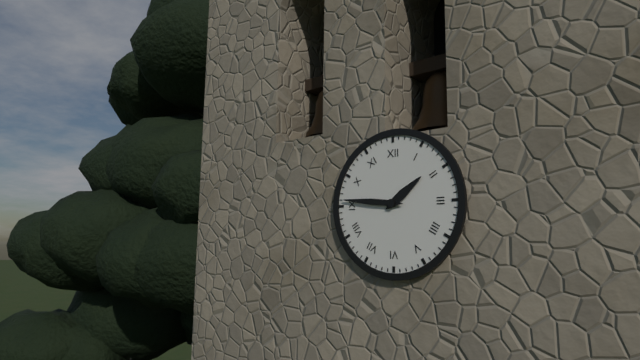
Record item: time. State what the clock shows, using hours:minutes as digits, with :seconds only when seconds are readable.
1:46
